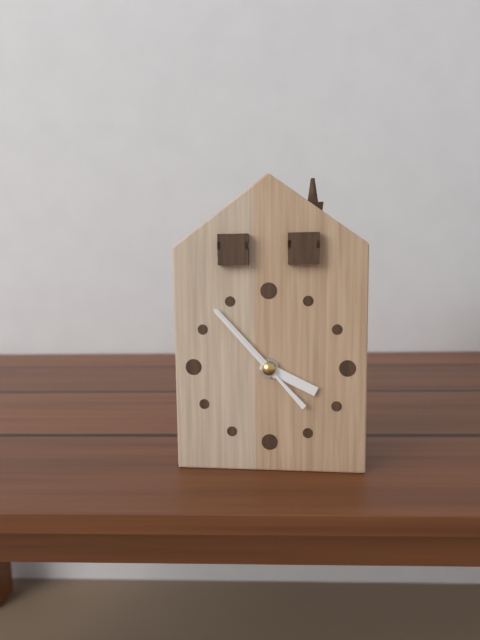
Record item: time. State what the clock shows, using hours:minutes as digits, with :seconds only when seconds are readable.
3:53:53
